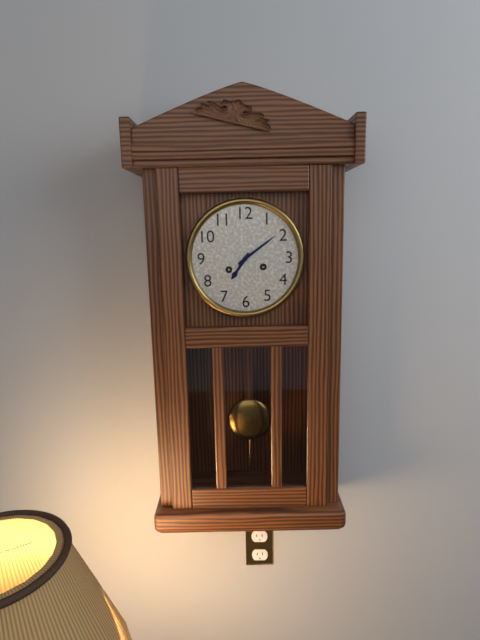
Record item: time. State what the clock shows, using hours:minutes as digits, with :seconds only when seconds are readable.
7:09
